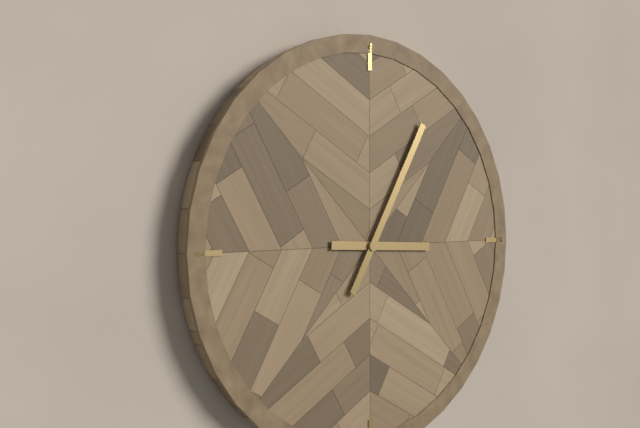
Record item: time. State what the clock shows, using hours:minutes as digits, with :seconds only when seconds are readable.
3:05
